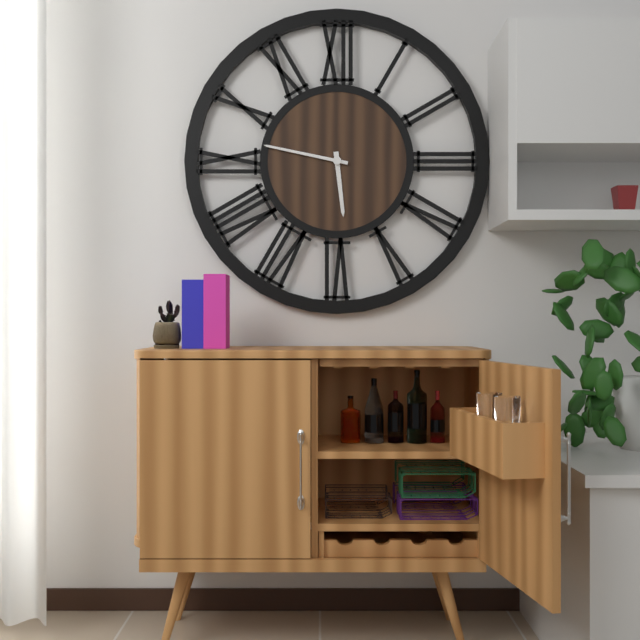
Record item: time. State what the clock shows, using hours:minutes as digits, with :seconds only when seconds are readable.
5:47
